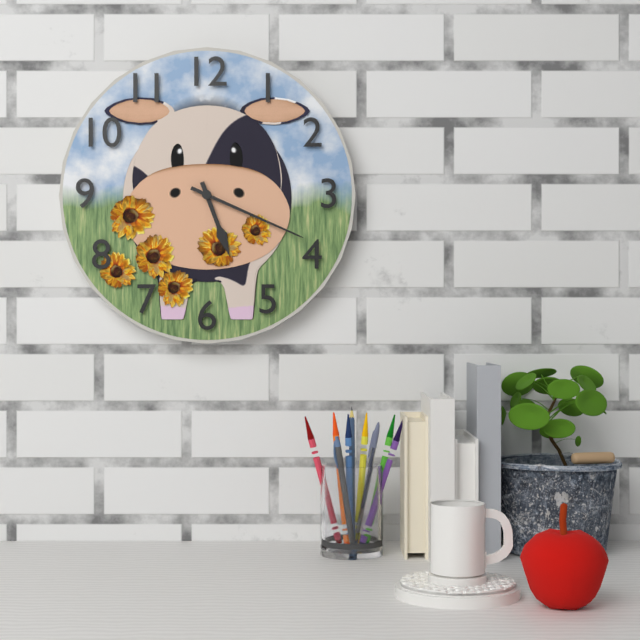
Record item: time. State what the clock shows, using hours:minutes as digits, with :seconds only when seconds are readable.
5:19
